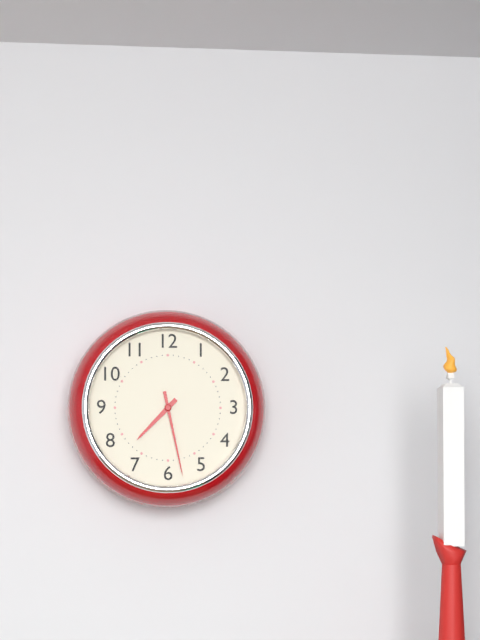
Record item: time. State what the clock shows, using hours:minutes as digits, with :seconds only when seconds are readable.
7:28
